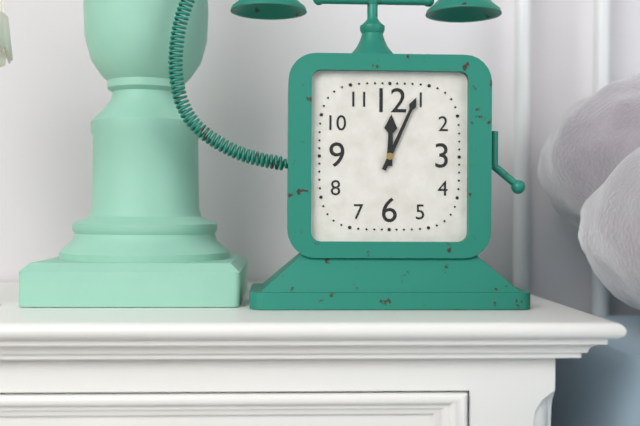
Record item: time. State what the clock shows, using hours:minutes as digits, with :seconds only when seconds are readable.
12:04
